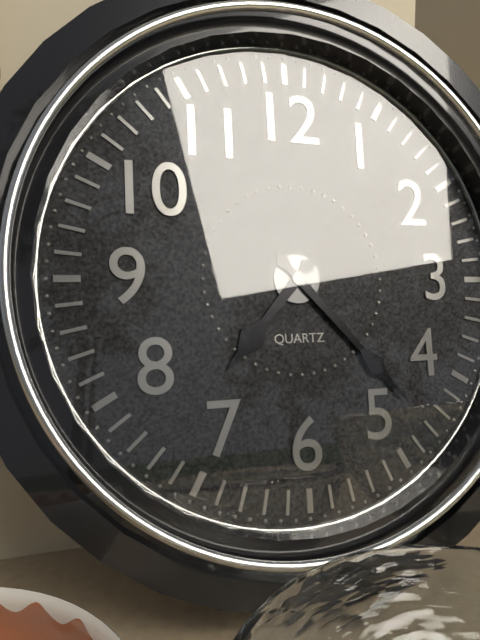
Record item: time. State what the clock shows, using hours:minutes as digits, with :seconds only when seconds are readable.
7:23
